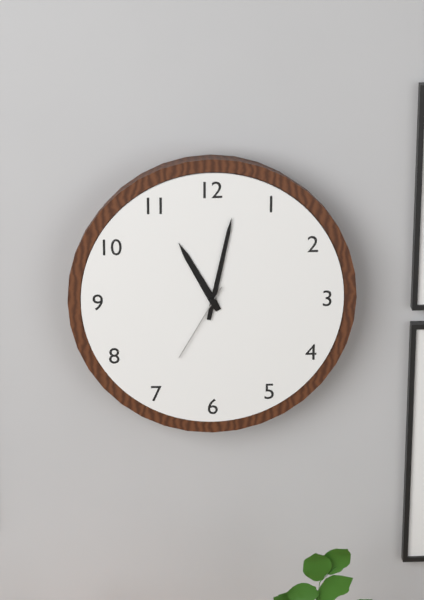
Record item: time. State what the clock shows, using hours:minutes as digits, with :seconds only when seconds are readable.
11:02:35
